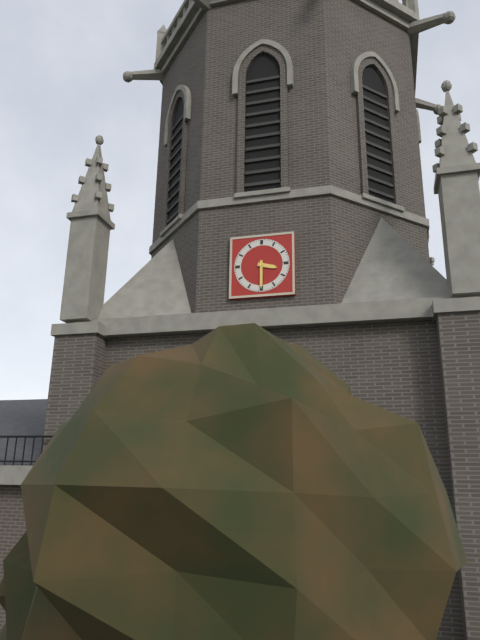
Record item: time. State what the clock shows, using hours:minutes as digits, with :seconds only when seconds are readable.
3:30
